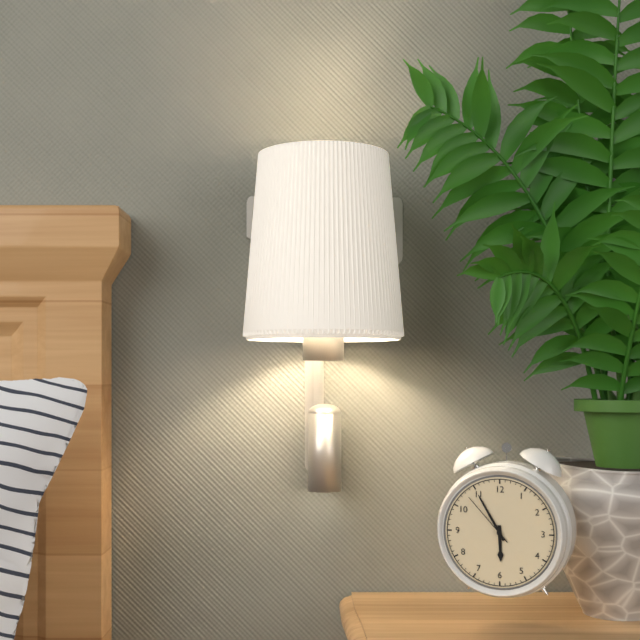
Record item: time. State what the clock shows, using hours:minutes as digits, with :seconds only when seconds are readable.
5:55:53
